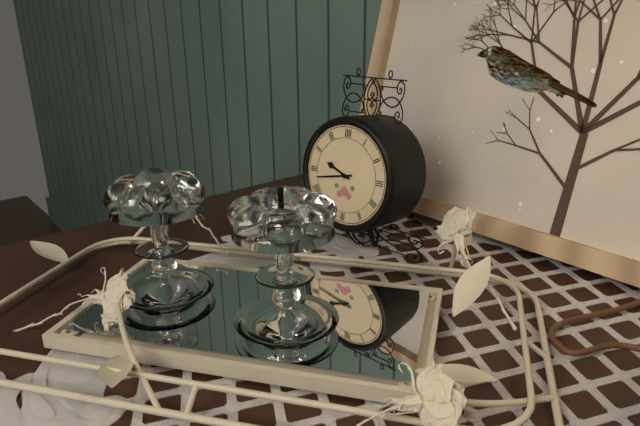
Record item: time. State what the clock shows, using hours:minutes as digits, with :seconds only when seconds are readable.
9:43
